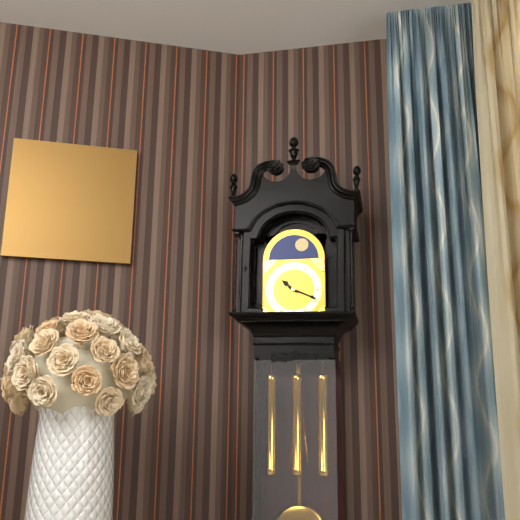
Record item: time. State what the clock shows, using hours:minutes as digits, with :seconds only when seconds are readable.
10:19
